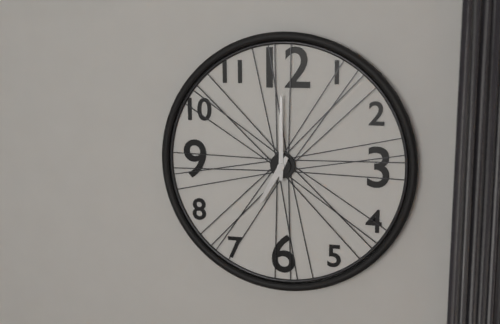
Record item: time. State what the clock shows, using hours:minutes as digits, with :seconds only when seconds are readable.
7:00
